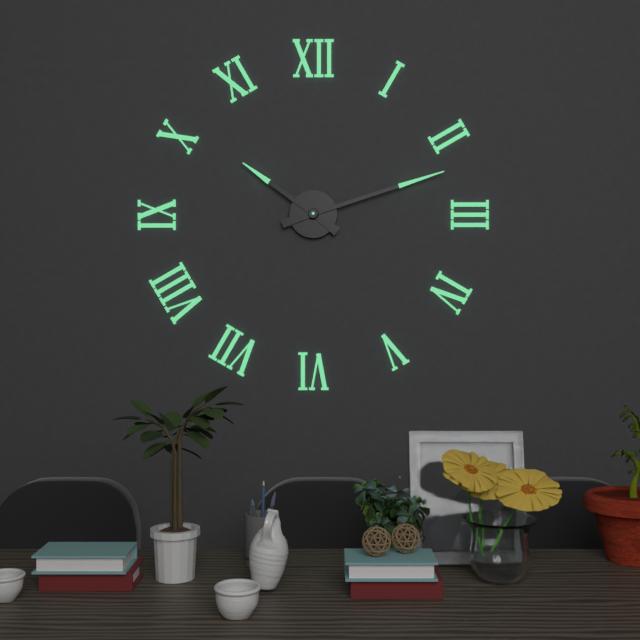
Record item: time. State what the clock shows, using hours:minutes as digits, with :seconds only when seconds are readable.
10:12
